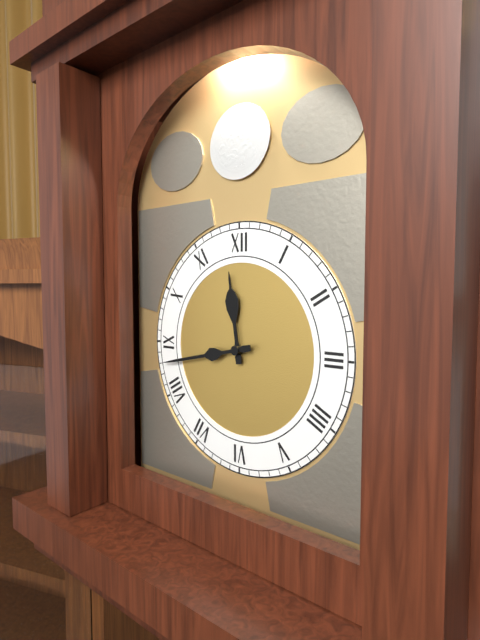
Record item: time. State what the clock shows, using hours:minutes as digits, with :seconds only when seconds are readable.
11:43
